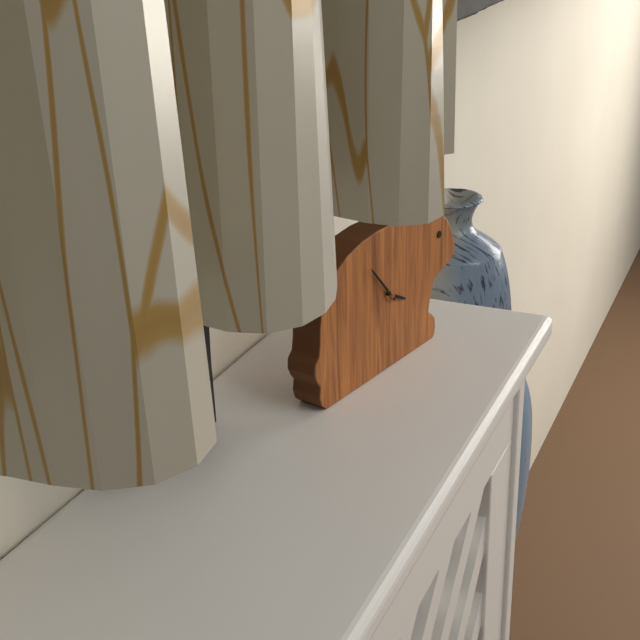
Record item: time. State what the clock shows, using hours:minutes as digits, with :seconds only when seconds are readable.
3:53
